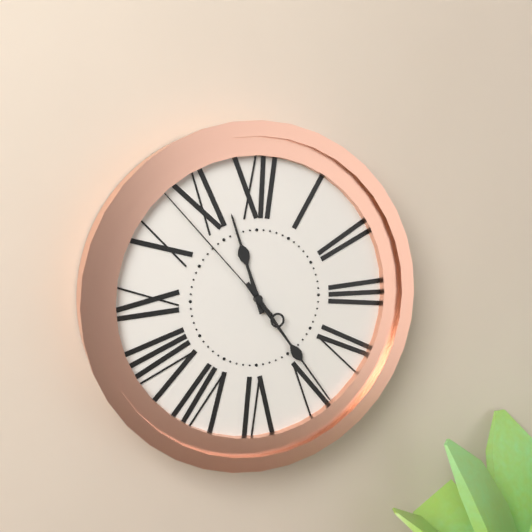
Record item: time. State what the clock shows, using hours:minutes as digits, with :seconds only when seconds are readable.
11:24:53
